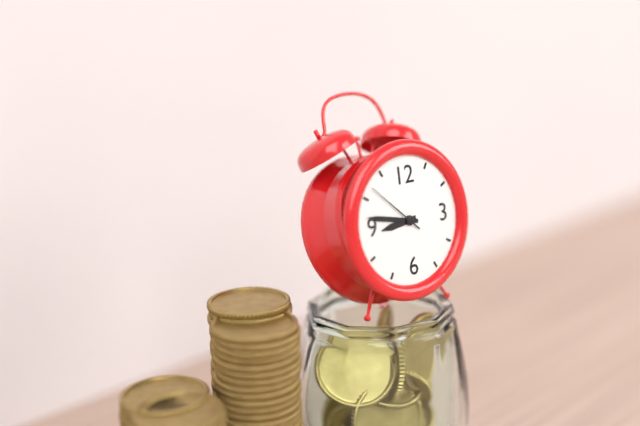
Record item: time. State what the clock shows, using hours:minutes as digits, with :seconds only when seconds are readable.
8:47:52
